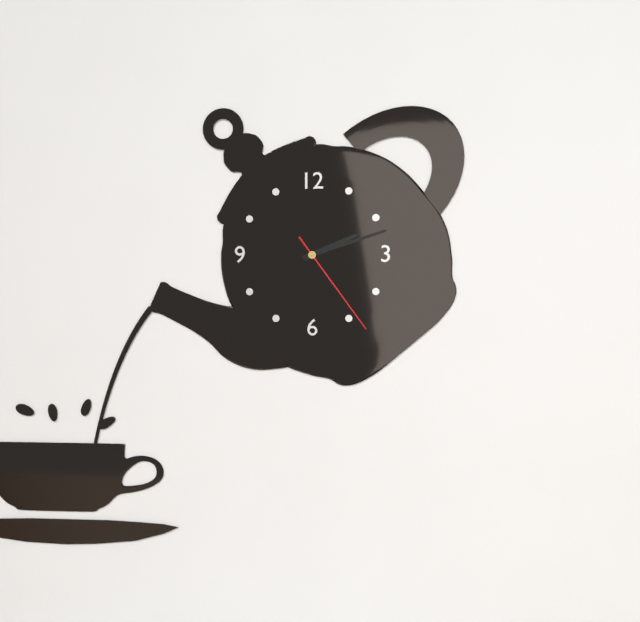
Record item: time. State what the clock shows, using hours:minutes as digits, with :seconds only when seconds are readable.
2:12:24
